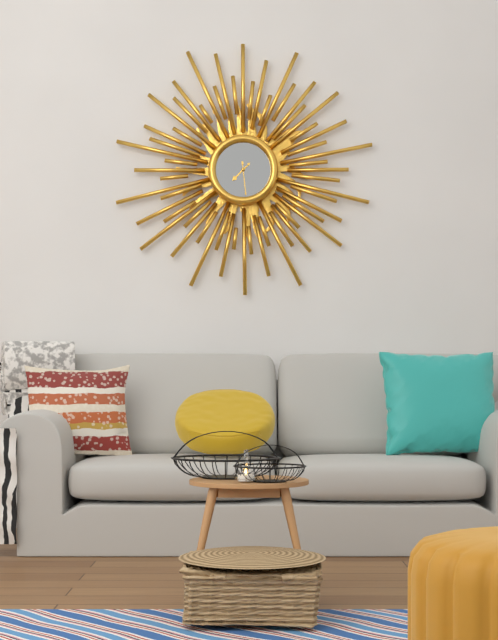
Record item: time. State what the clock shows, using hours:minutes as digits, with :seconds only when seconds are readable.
7:29
